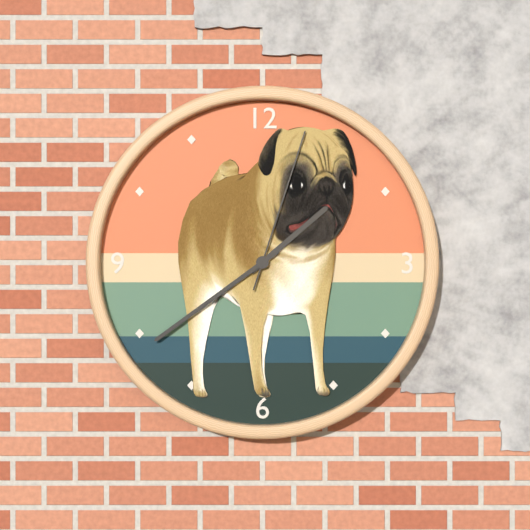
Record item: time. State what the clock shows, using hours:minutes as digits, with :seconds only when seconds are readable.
1:39:03
